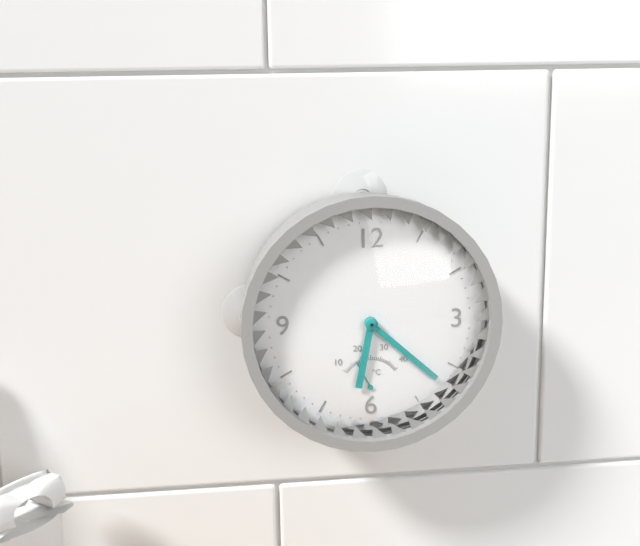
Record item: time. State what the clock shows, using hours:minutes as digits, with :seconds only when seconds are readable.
6:22
